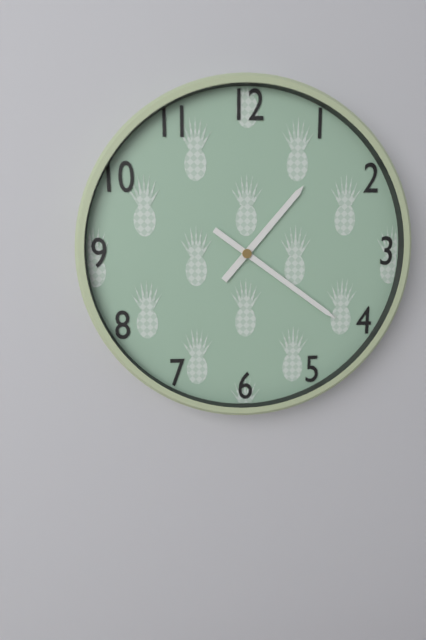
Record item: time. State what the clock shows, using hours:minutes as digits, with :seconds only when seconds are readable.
1:21
